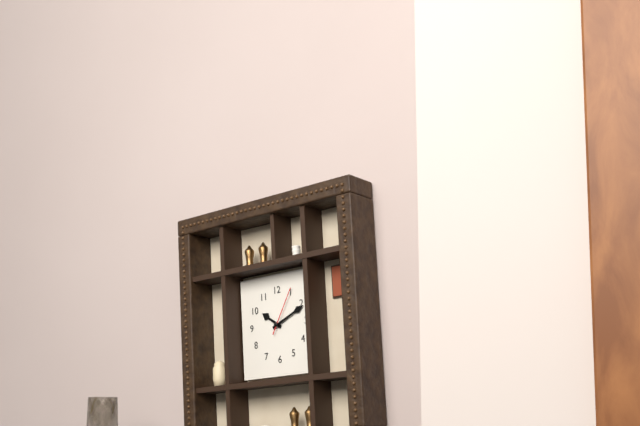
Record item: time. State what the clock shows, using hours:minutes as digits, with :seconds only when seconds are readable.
10:11
